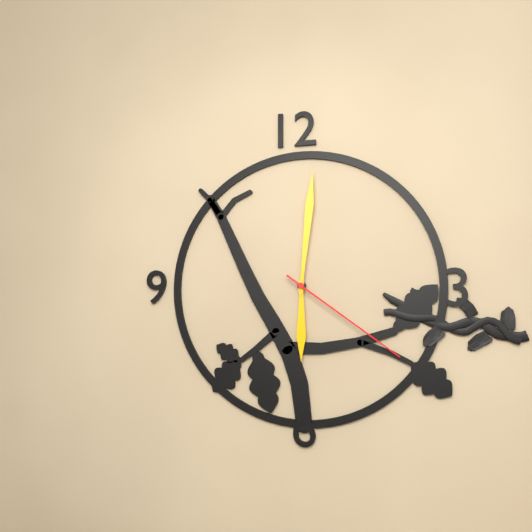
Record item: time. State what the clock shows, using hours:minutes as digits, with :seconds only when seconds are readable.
6:01:21
